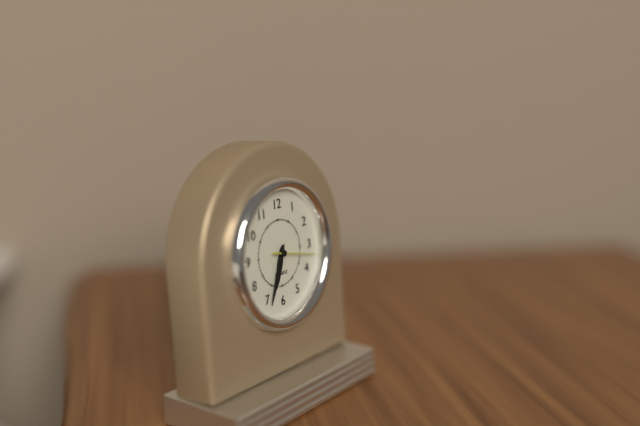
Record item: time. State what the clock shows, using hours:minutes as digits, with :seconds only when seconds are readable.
6:34
